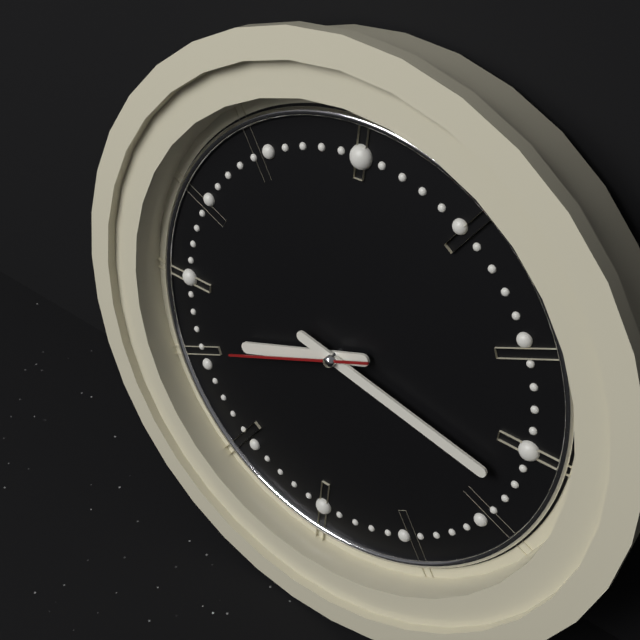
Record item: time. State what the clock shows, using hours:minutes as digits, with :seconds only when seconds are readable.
8:17:41
